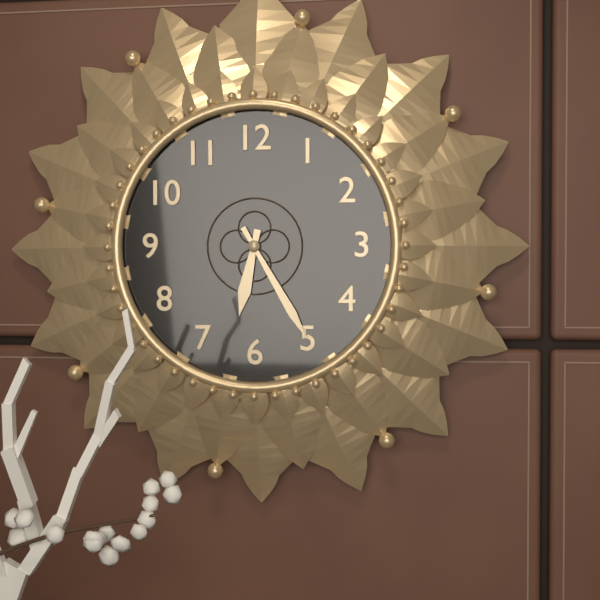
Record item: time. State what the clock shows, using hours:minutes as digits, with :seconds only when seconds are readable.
6:25
